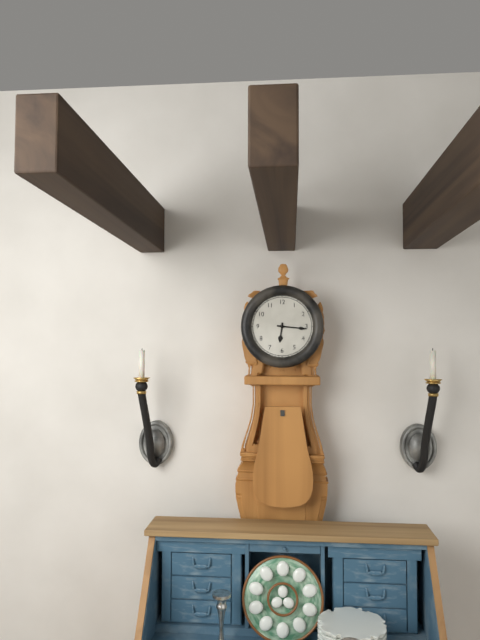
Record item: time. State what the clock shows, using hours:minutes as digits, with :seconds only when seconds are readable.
6:16
